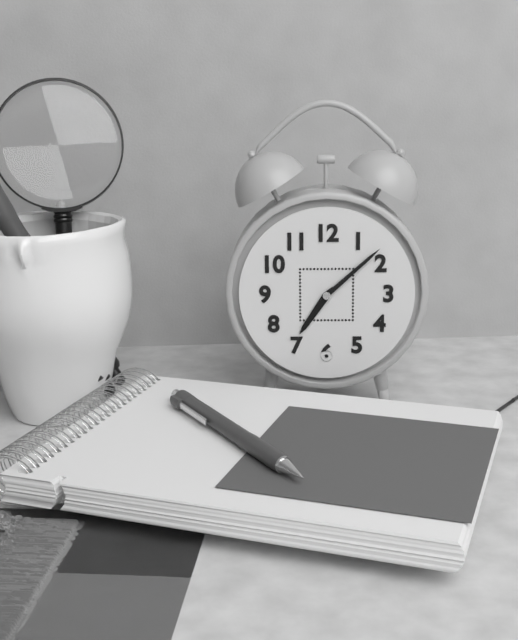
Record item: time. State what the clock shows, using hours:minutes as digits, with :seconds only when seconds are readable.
7:08
